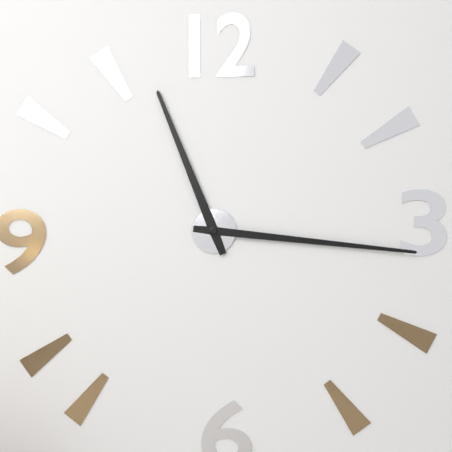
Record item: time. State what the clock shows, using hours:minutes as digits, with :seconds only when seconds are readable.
11:16
